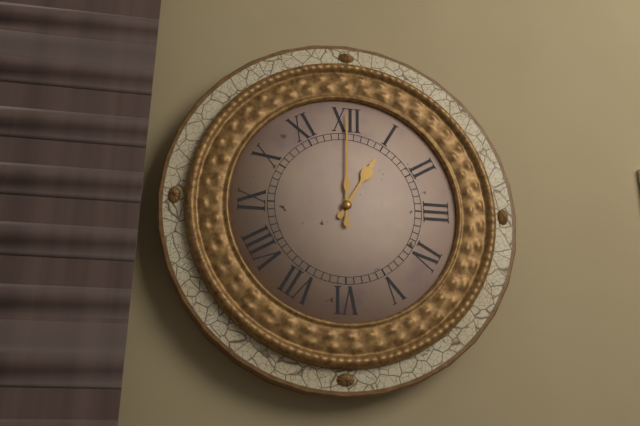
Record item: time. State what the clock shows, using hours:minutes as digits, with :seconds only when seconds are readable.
1:00
